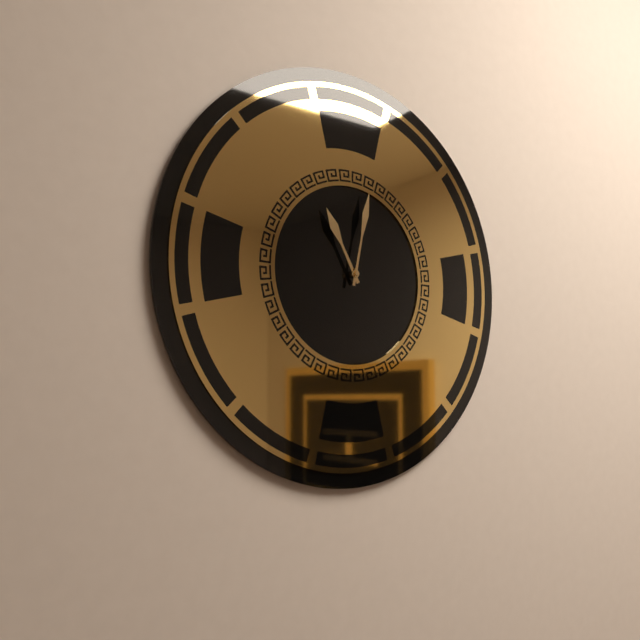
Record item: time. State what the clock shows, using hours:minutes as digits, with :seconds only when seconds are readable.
11:02
